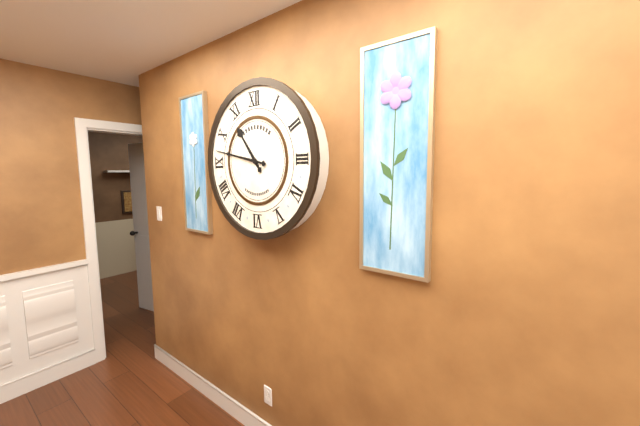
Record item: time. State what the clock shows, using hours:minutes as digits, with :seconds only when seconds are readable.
10:47
